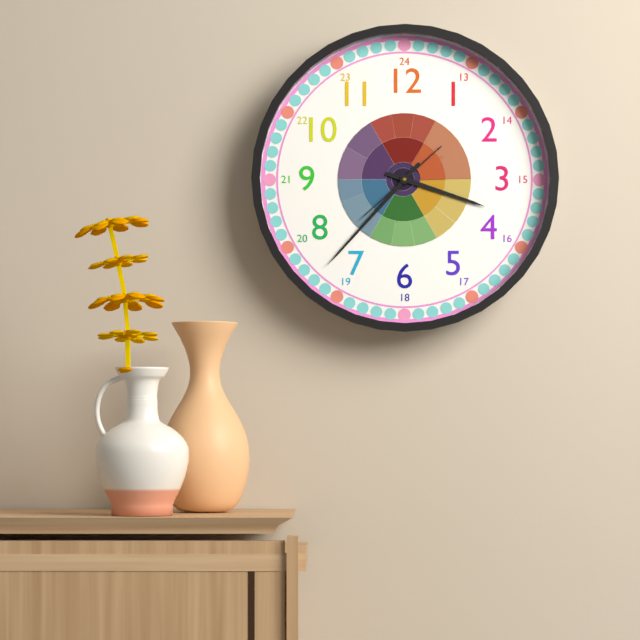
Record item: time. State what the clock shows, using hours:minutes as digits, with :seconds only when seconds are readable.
3:37:38
